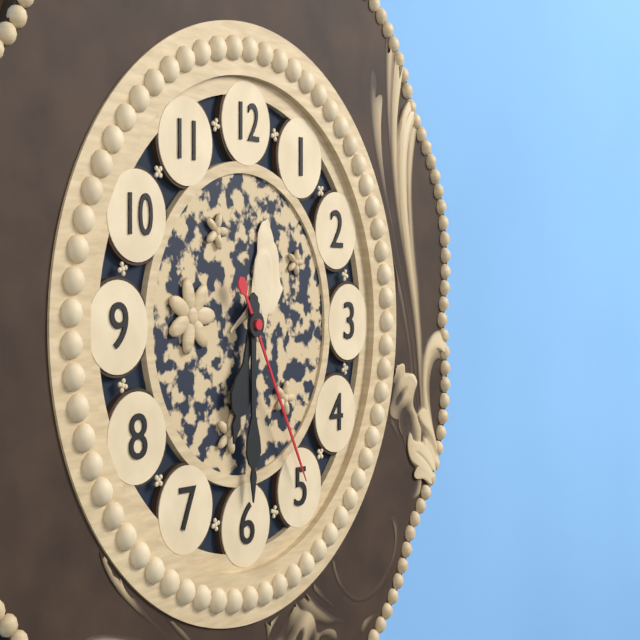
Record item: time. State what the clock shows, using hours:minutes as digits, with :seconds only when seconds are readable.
6:30:25
